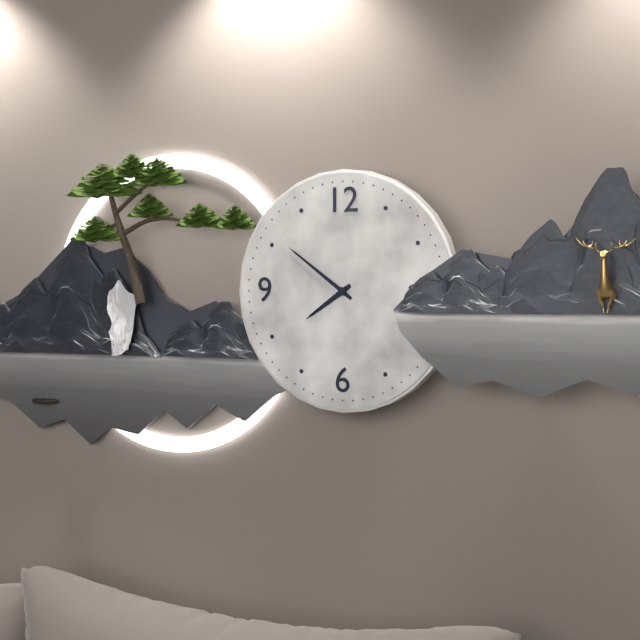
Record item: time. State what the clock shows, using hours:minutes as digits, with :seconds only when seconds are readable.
7:51
